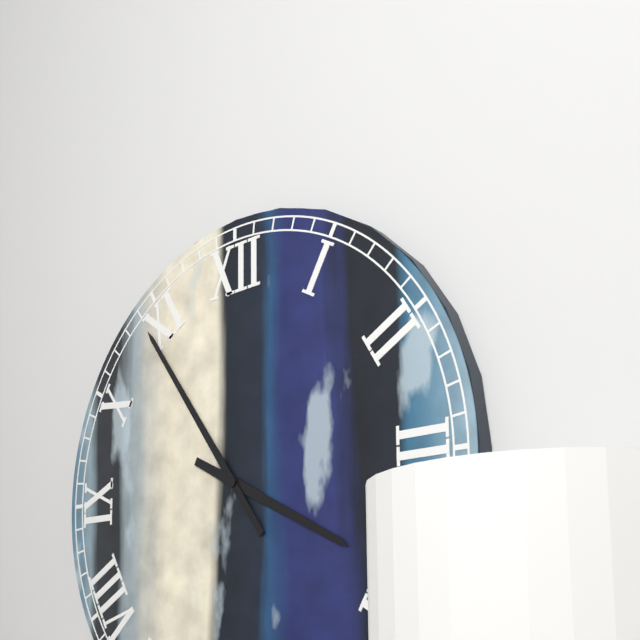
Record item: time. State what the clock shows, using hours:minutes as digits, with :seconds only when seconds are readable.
3:54
